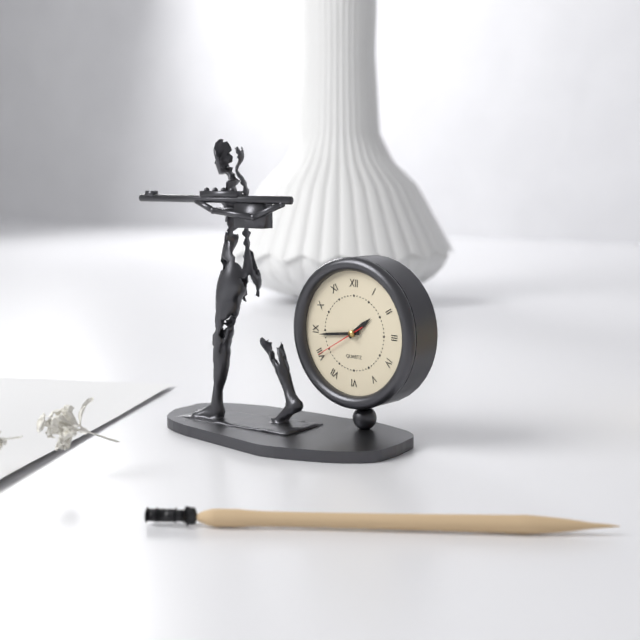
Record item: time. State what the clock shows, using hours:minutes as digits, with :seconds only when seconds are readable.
1:44:40
